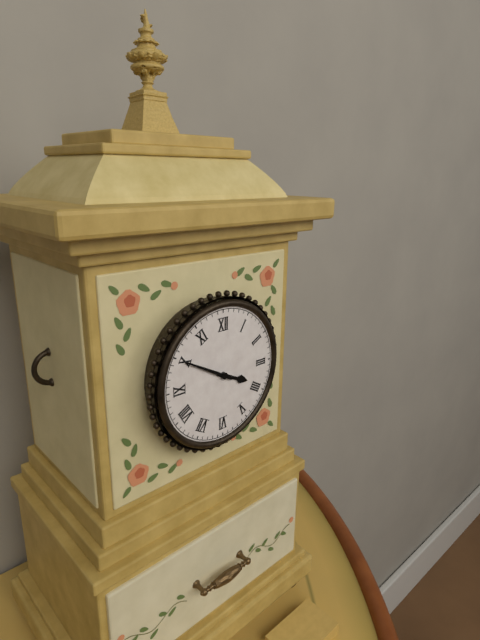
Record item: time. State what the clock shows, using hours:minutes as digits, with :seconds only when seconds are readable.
3:50
